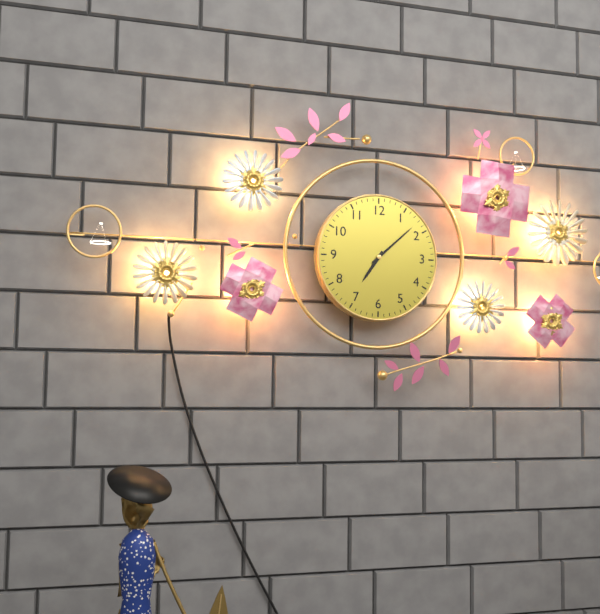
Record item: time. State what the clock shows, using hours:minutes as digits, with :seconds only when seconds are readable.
7:08
